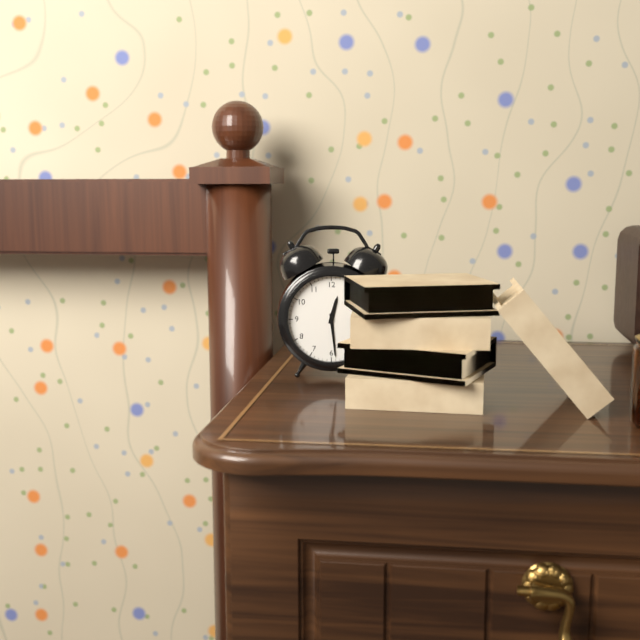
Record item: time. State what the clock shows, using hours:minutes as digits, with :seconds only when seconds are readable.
12:29
